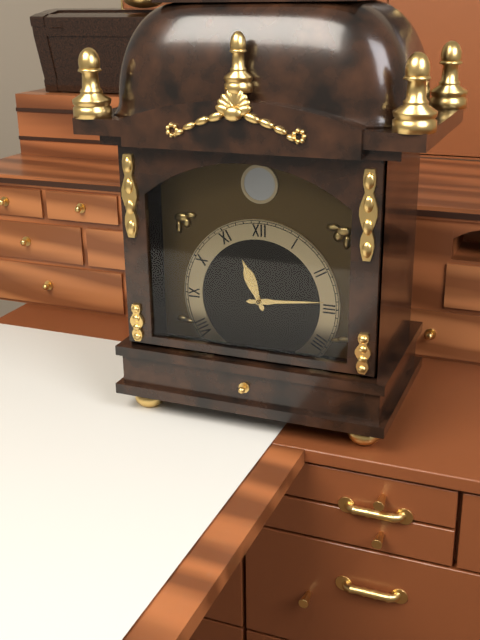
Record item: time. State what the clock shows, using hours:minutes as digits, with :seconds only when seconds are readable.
11:14
